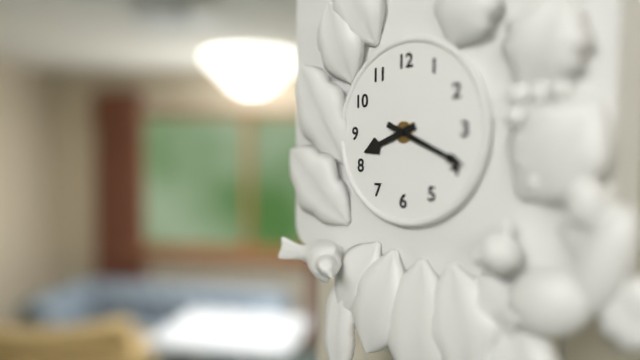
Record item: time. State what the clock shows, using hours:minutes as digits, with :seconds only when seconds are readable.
8:19
